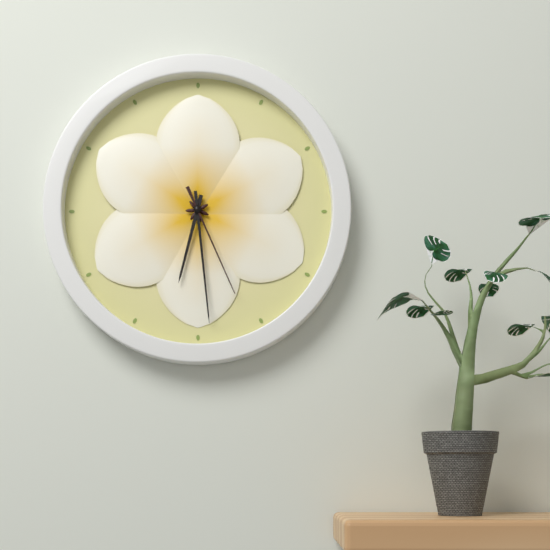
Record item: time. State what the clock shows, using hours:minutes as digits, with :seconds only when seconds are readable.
6:29:26
